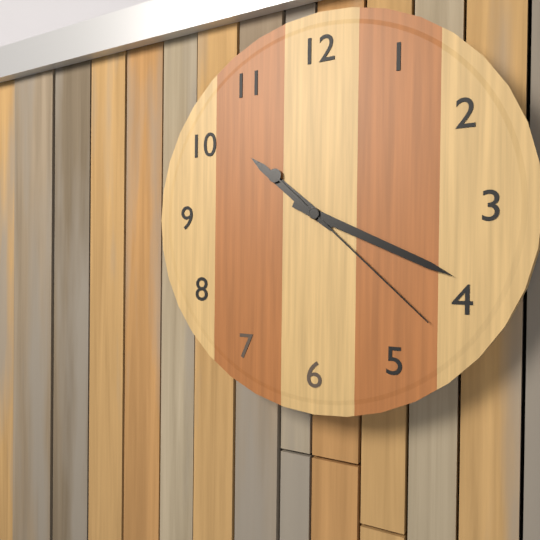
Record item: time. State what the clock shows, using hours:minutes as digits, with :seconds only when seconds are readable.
10:19:22
